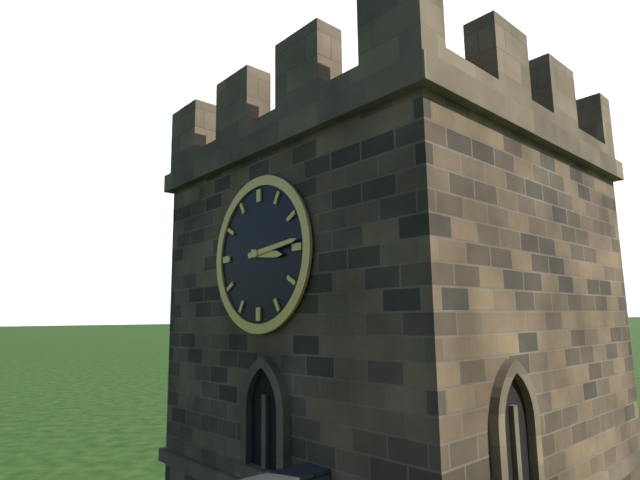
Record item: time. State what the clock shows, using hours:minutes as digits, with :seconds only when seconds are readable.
3:14
